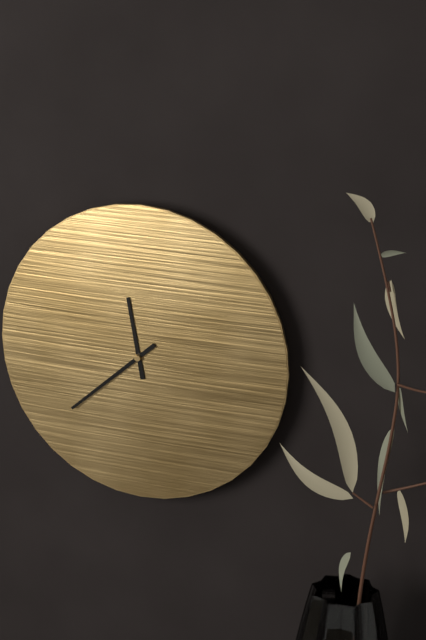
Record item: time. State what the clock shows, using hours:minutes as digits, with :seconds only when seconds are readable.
11:38
